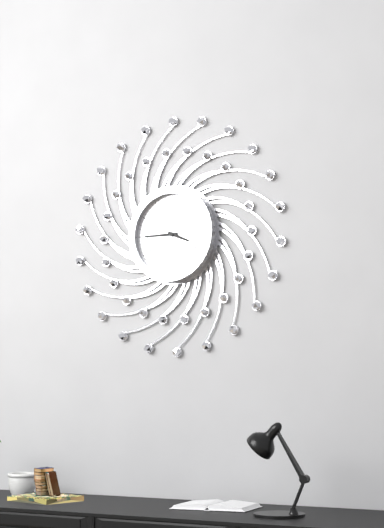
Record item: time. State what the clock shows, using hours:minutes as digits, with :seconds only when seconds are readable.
3:45
